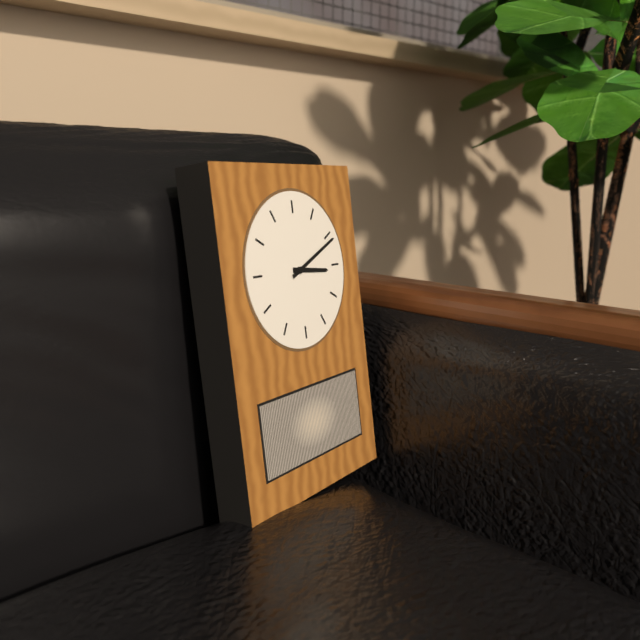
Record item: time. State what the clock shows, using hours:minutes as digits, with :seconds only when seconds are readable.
3:11
